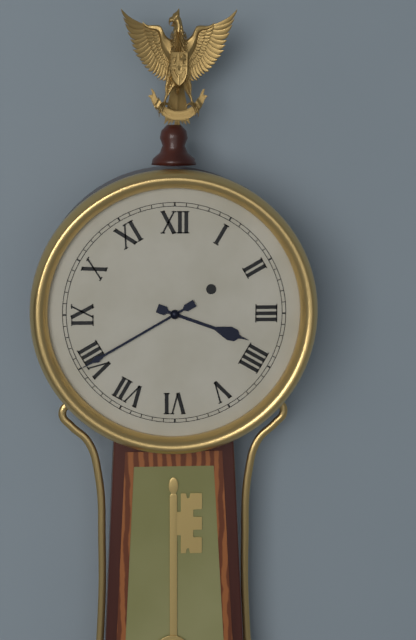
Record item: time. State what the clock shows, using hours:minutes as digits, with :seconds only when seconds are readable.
3:40
